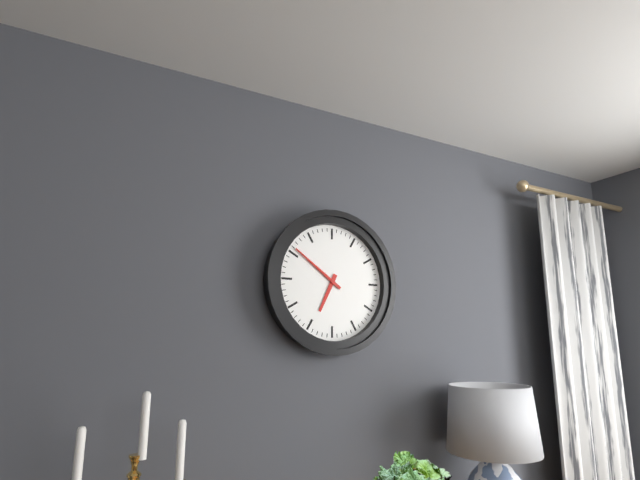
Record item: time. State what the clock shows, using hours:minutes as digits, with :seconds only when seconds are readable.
6:51
